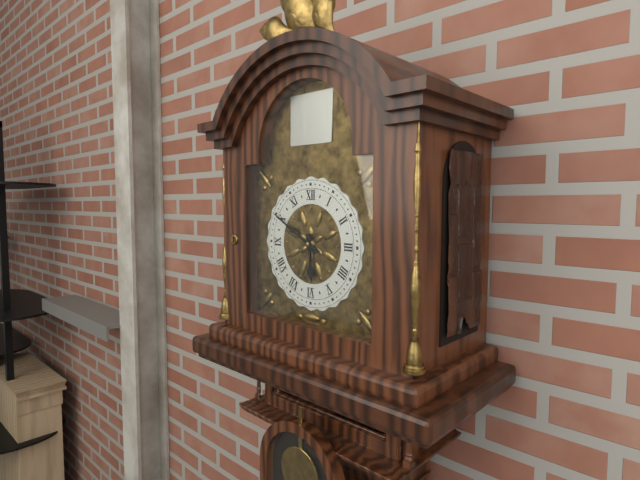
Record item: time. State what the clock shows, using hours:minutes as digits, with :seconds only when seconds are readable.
5:50
